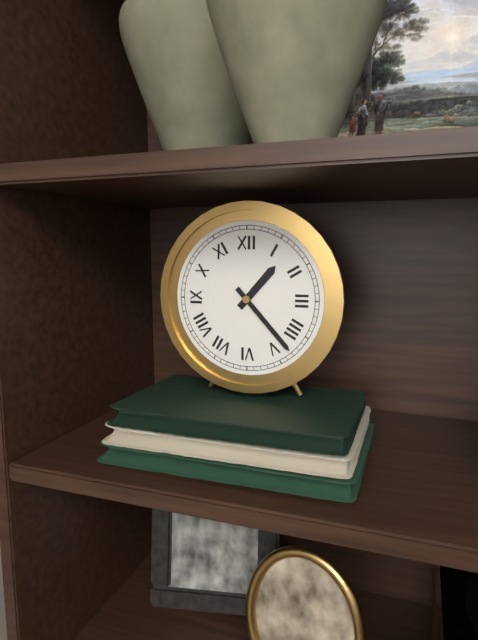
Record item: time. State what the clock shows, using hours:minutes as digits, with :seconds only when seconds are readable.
1:23
